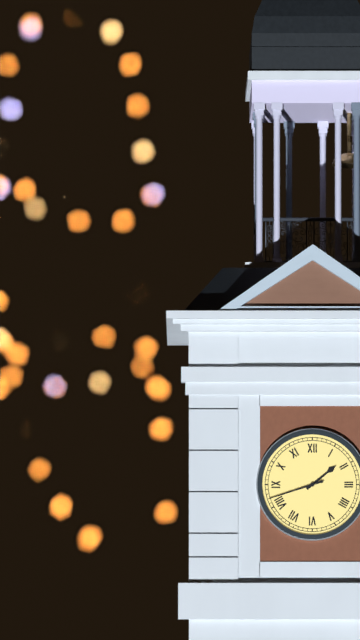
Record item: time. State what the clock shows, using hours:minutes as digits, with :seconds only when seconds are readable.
1:42
